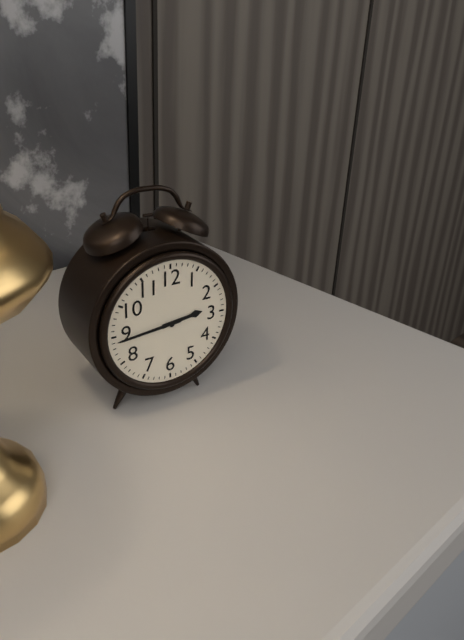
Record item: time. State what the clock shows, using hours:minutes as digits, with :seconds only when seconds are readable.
2:44
